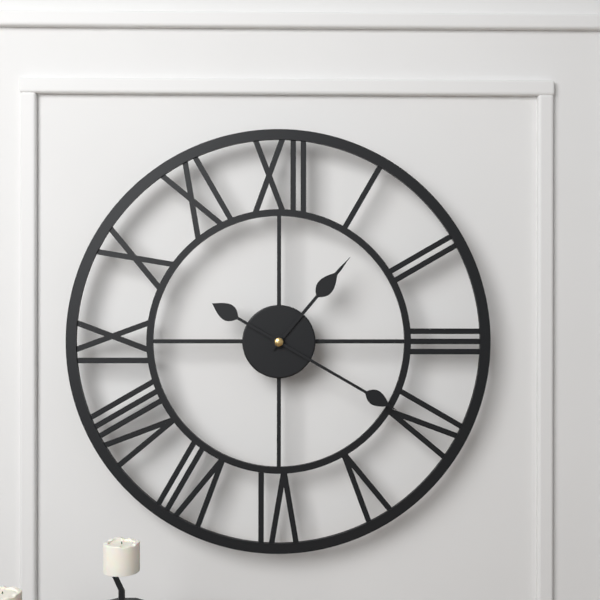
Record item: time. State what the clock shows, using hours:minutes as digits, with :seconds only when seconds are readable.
1:20
